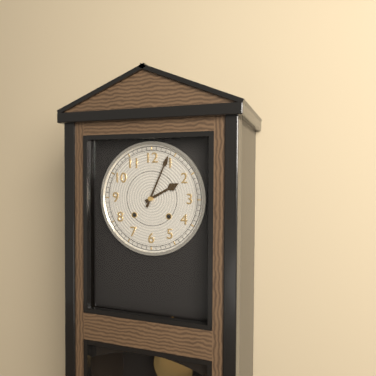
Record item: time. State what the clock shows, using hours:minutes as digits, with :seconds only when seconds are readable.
2:04
